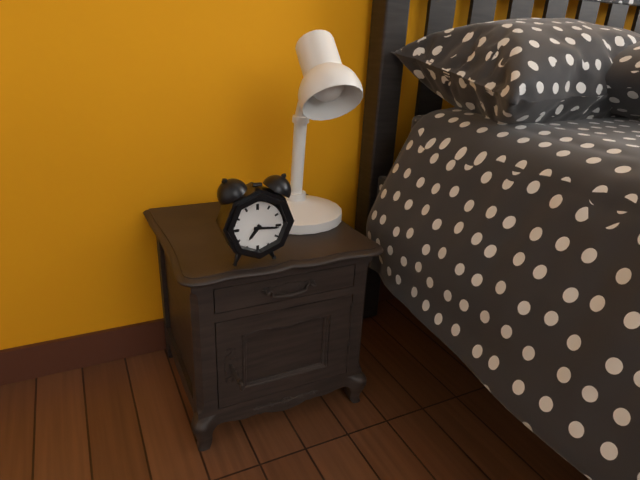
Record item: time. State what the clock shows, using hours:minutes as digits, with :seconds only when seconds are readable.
7:16
